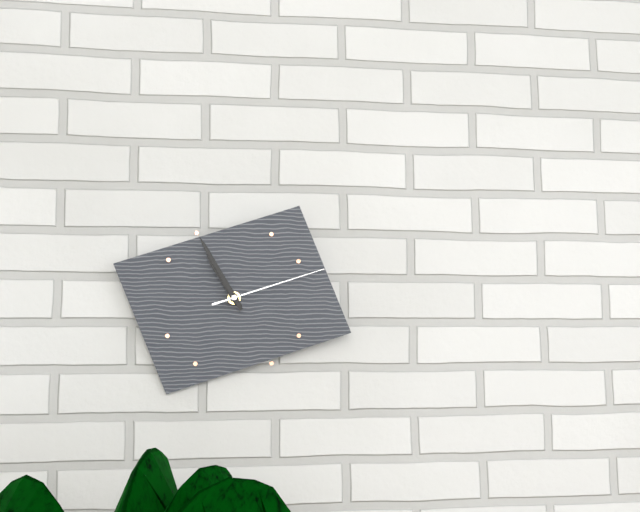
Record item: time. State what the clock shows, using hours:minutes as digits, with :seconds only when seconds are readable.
10:55:12
